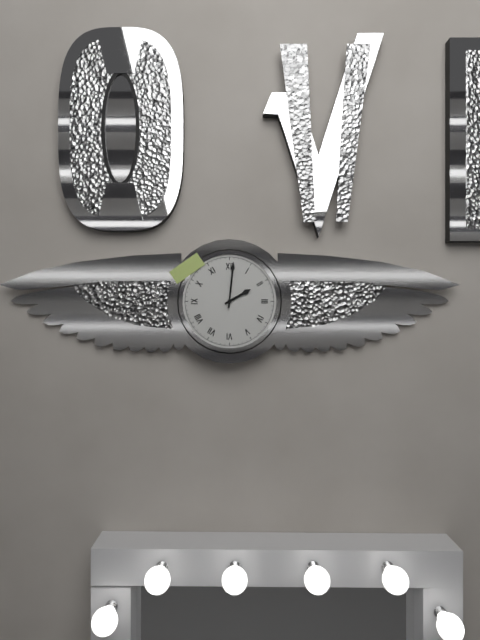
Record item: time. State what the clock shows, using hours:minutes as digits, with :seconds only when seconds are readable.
2:01
